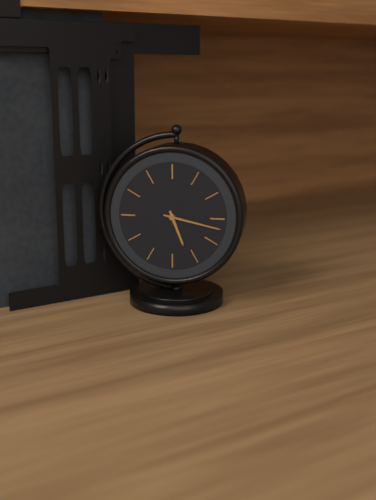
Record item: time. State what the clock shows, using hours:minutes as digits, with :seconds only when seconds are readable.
5:17
